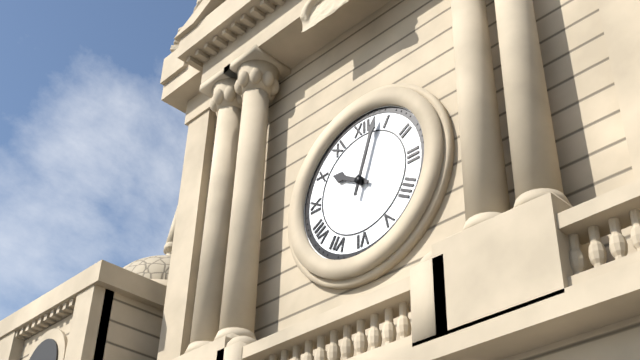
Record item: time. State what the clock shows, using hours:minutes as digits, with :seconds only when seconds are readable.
10:03
